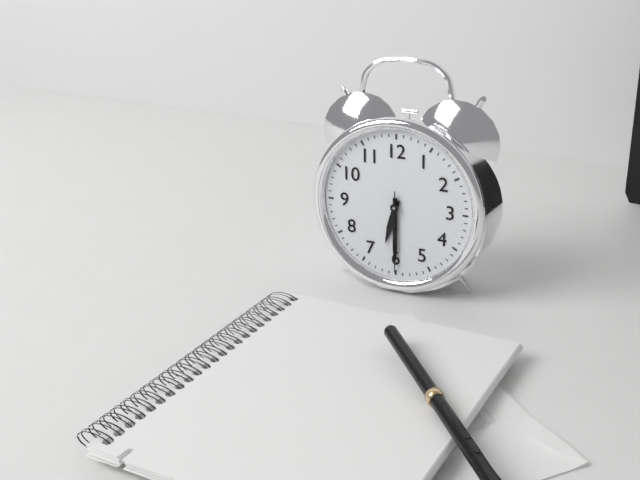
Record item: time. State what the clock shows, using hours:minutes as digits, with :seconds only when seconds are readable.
6:30:30
